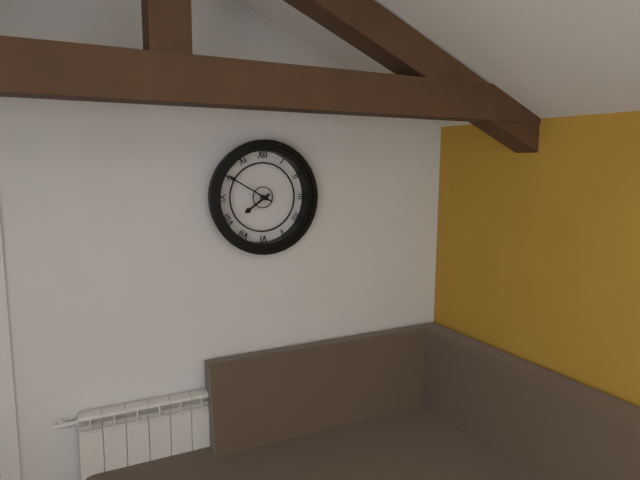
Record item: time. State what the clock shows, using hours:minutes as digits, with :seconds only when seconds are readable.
7:50
